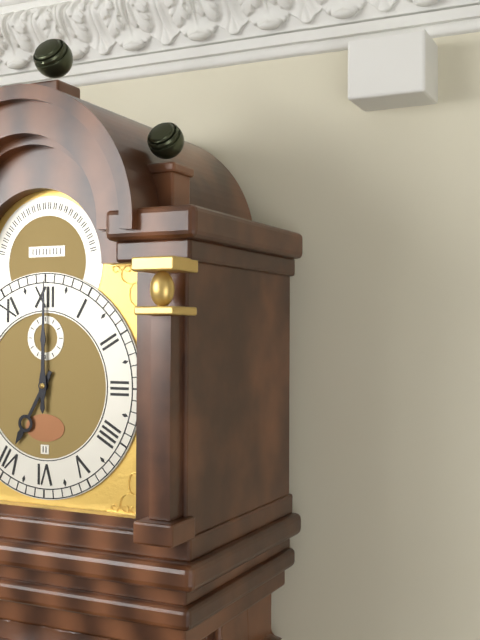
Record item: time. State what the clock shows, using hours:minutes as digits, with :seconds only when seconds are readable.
7:00
